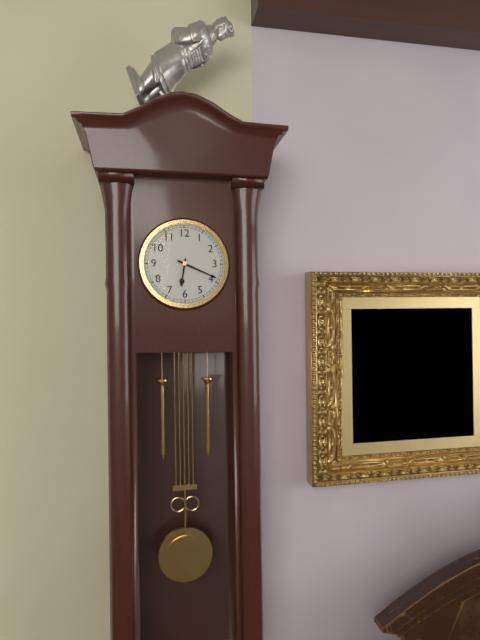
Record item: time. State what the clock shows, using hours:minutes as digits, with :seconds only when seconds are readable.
6:19
